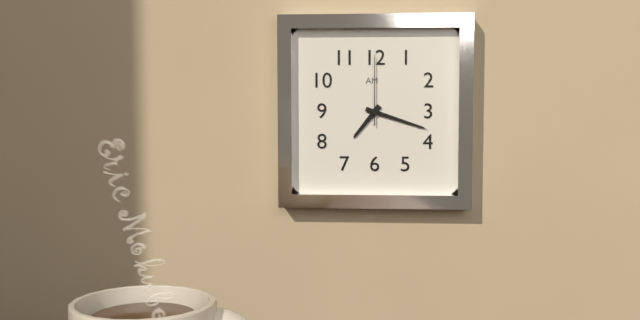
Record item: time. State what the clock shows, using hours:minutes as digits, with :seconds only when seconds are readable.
7:18:00
